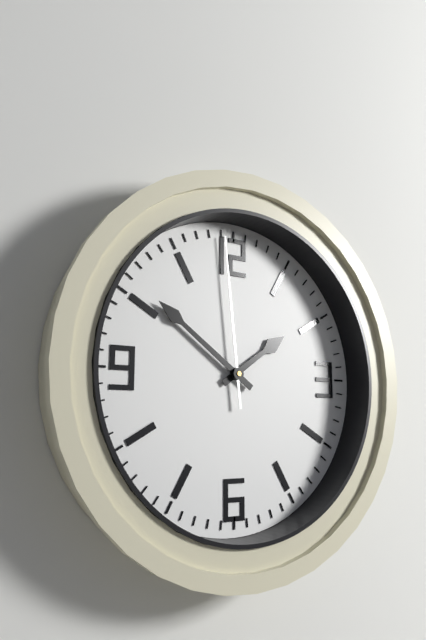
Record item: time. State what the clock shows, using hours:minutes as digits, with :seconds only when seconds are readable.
1:51:59
